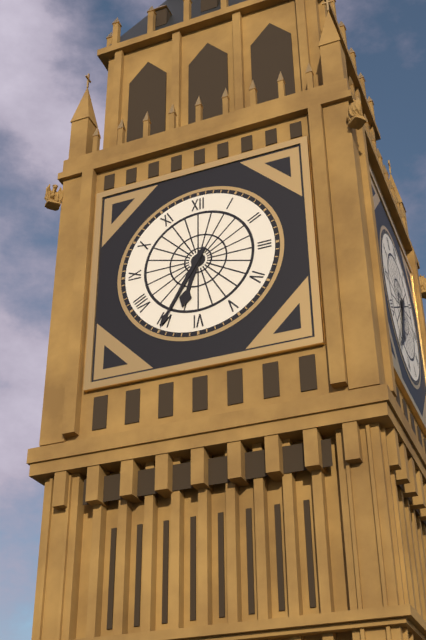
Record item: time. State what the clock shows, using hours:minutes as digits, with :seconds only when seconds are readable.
6:35
